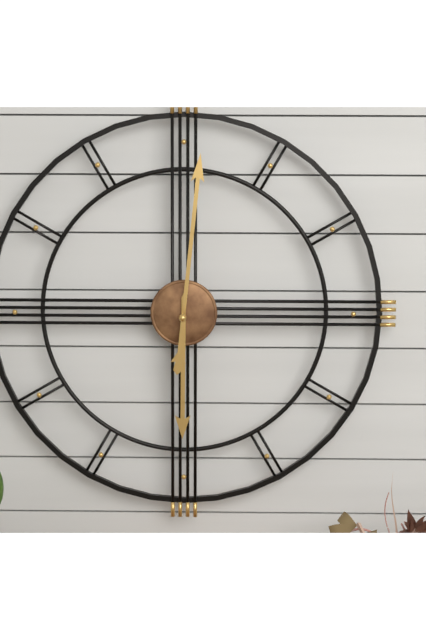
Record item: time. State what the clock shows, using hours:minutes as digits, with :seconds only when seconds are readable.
6:01
